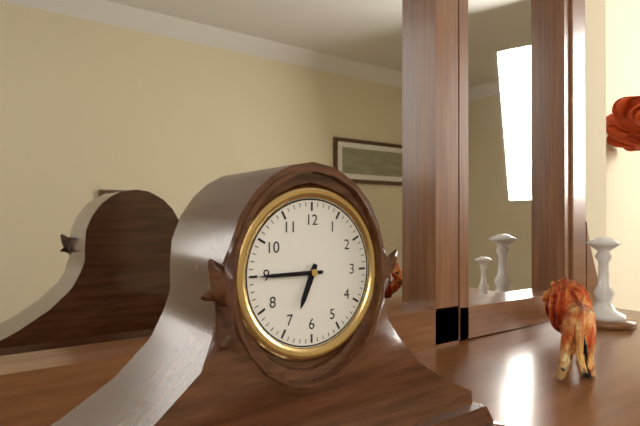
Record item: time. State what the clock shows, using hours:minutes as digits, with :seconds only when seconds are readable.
6:45
